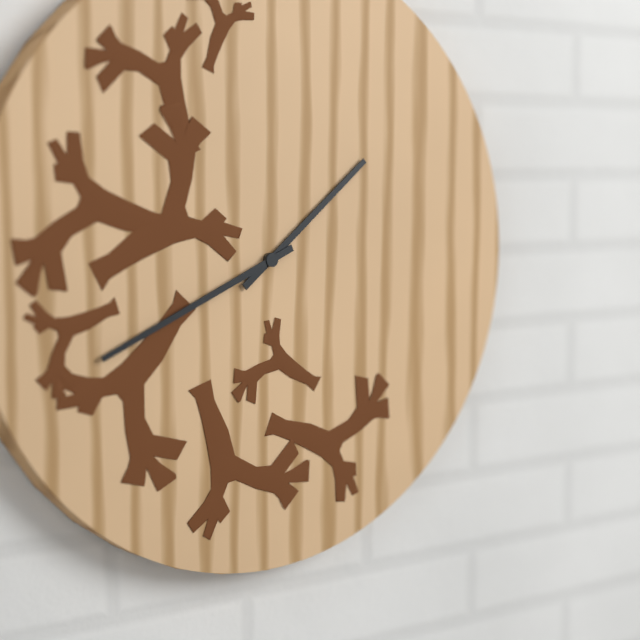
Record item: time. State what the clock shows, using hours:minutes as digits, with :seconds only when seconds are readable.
1:41
